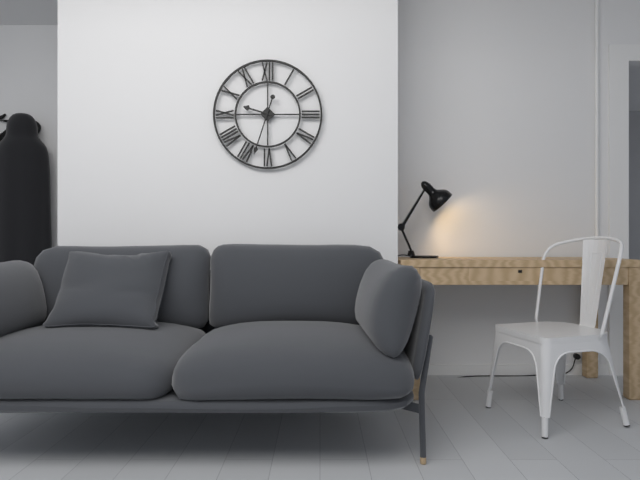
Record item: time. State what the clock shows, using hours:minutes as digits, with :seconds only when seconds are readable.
9:33
